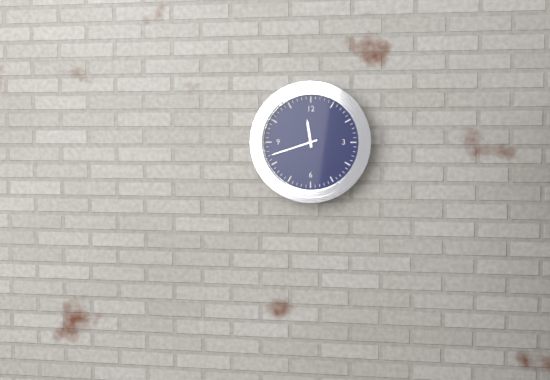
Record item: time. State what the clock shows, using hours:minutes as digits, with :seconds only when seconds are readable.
11:42
